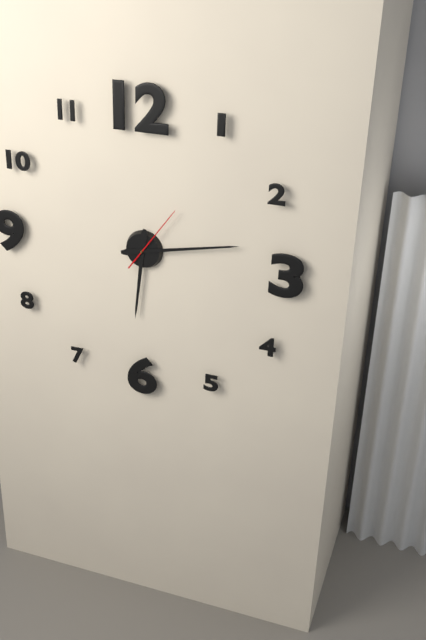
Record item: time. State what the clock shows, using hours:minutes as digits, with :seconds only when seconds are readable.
6:13:06
